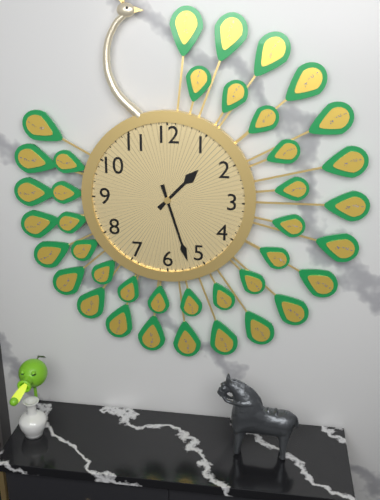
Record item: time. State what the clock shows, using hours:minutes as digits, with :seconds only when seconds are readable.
1:27
